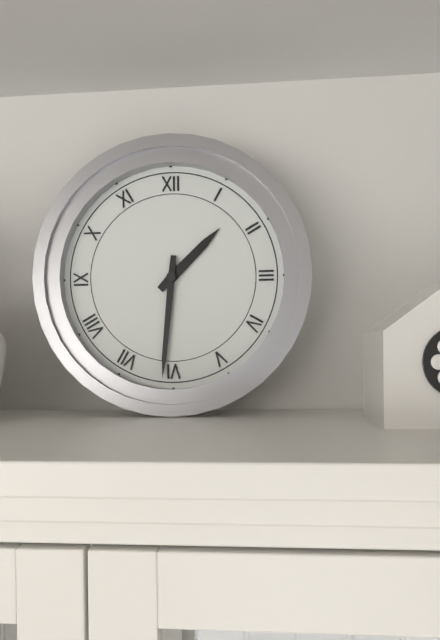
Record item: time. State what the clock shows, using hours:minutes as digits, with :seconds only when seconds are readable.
1:31
